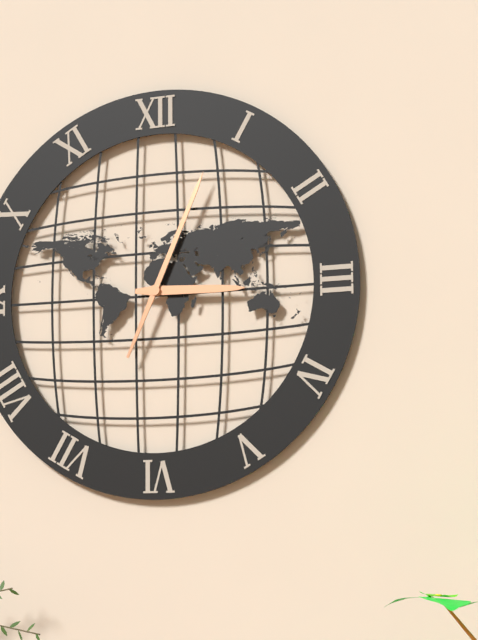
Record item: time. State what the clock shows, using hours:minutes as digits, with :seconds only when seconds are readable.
3:04
